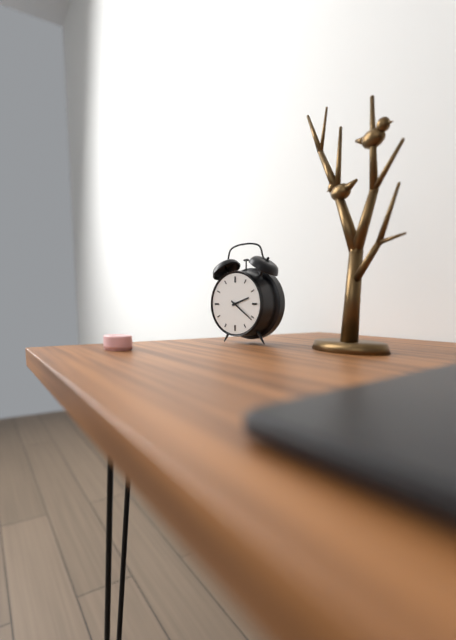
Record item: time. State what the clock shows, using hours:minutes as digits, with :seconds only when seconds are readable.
2:21
